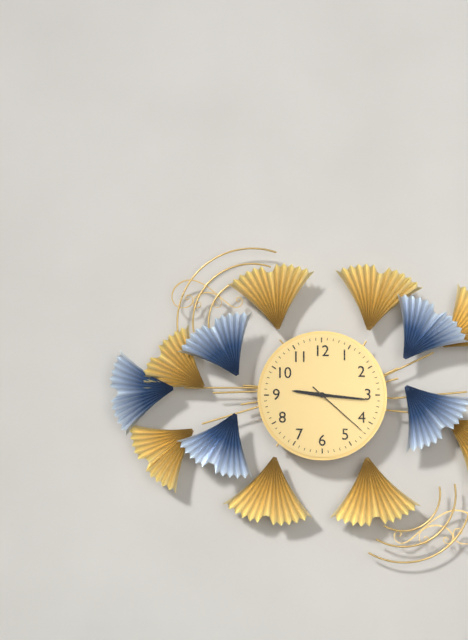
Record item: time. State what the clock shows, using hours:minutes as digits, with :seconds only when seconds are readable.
9:16:22
